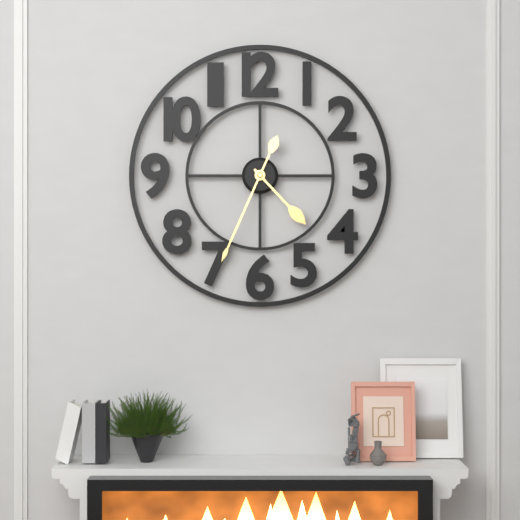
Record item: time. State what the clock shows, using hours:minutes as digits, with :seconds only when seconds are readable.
4:34
